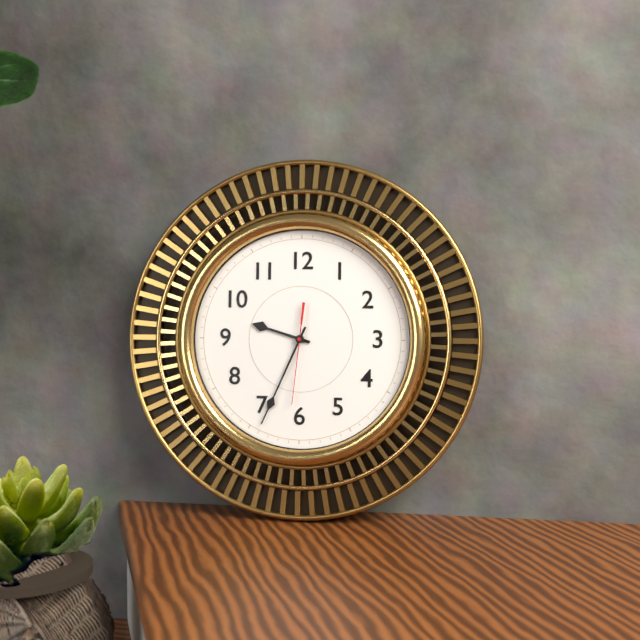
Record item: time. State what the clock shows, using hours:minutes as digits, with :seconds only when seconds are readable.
9:34:31
